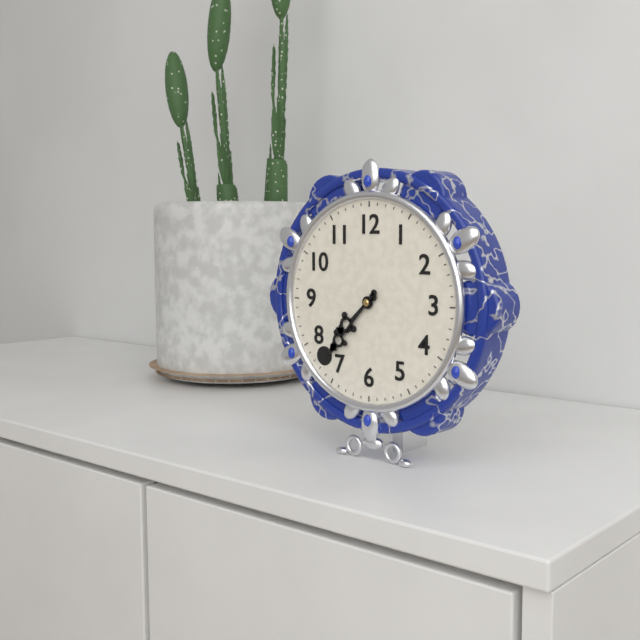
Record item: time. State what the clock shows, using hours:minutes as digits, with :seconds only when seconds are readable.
7:37
